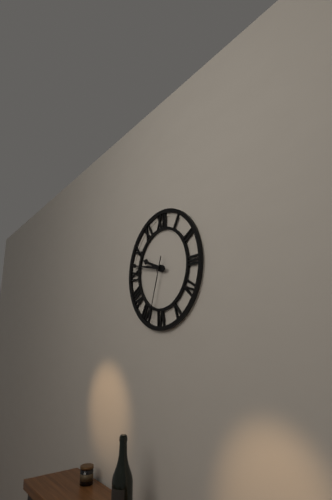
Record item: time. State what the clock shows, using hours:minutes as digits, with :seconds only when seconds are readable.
9:47:33
